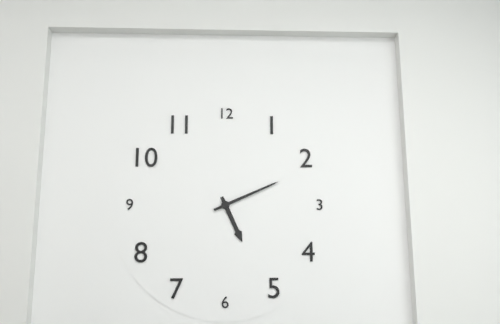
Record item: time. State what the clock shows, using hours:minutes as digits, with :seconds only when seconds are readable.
5:11
